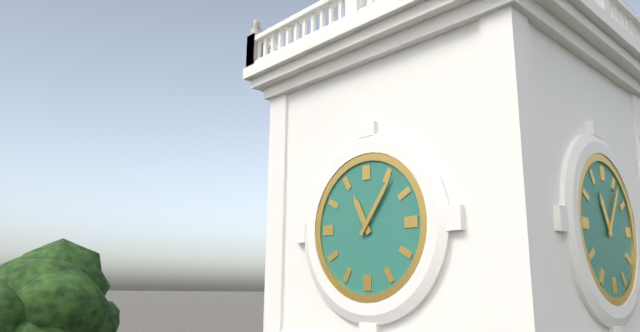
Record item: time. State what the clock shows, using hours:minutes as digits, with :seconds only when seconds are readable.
11:06
